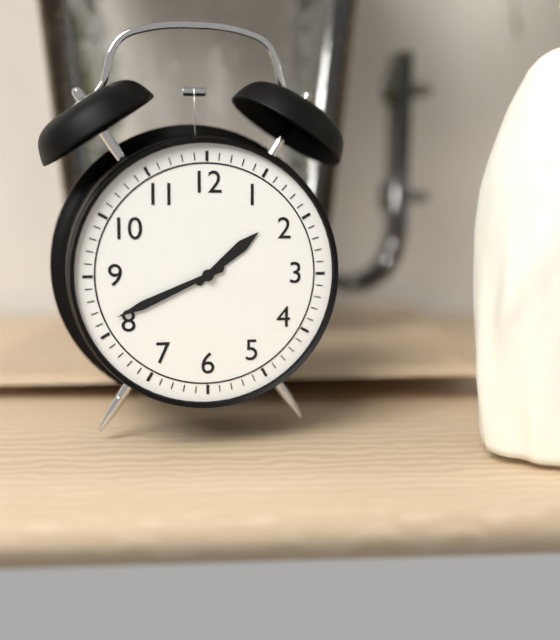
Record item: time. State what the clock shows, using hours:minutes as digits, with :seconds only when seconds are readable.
1:41
